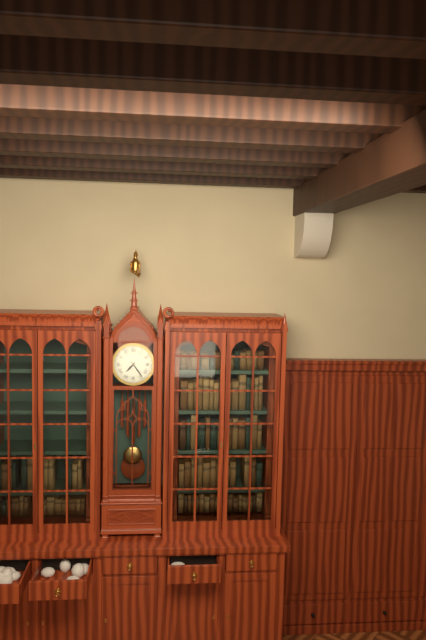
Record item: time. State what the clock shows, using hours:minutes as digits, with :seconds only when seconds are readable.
7:24
